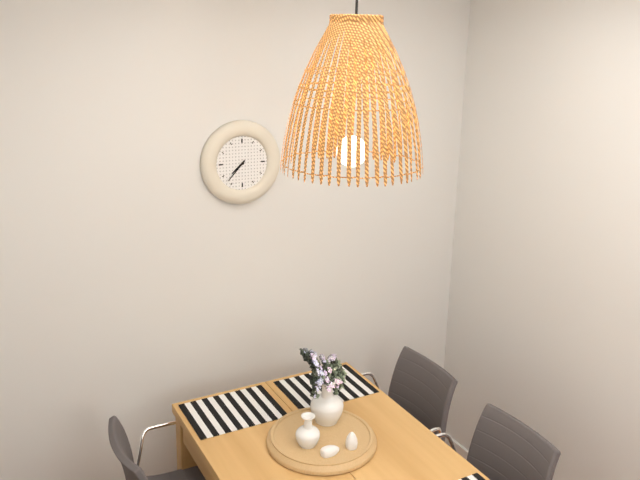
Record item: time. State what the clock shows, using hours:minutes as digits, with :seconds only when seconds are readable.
7:37
